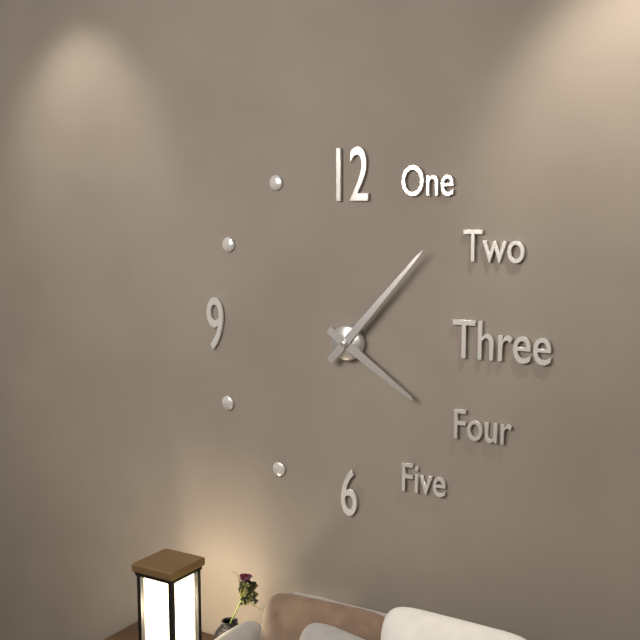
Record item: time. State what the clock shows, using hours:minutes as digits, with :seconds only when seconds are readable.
4:07
